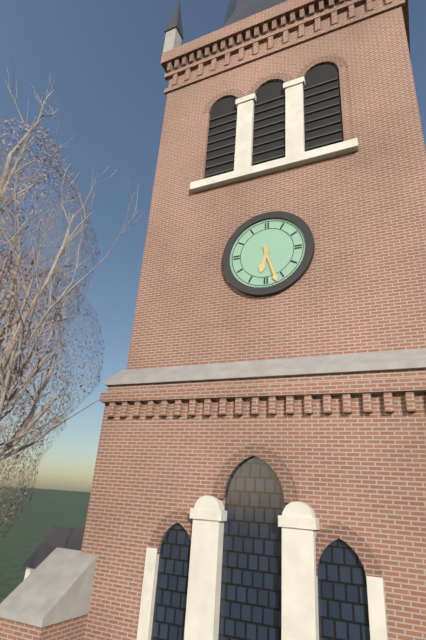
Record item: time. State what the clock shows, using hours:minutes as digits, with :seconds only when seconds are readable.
6:27
